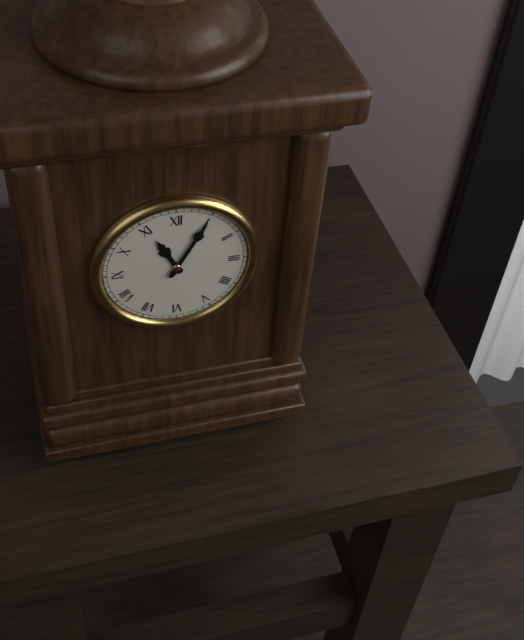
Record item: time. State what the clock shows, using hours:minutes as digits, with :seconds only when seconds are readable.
11:05
